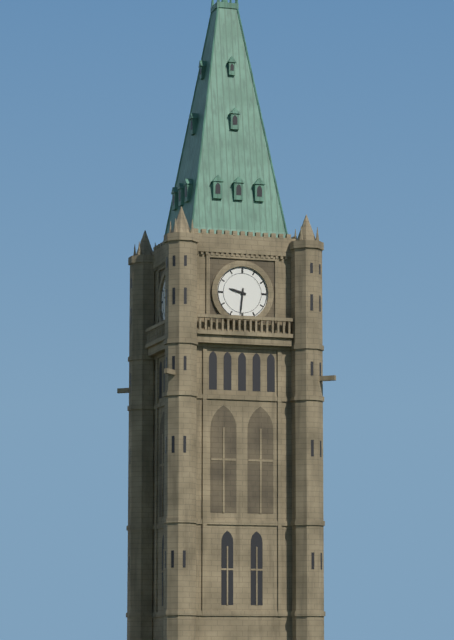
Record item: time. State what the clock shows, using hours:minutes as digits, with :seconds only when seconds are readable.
9:31
